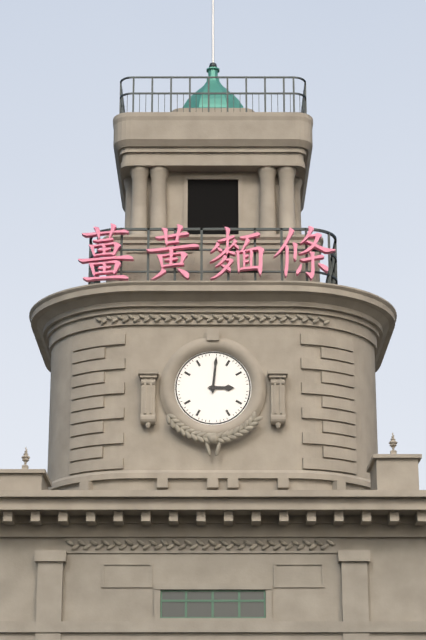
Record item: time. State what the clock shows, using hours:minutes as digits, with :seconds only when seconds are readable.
3:01
